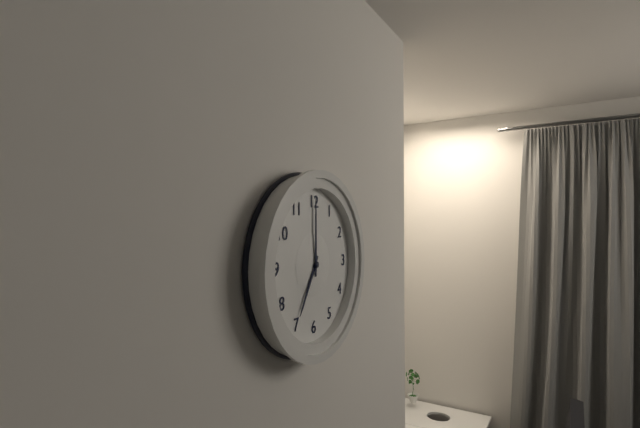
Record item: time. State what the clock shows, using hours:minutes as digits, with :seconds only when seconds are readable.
7:00
